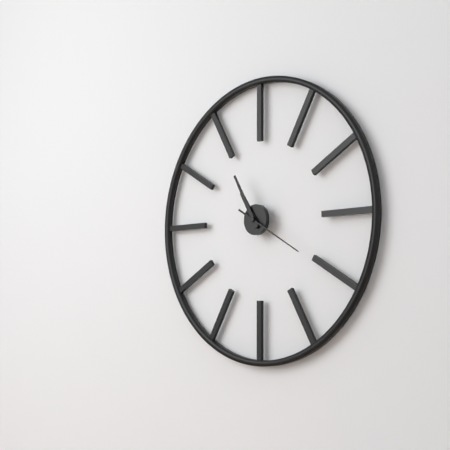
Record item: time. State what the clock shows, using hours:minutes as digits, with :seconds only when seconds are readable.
10:55:20
